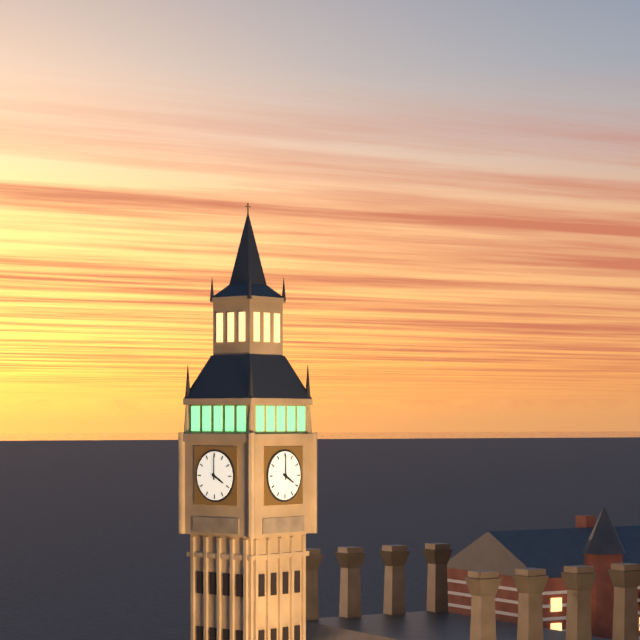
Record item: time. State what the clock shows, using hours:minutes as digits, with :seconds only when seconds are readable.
4:00
